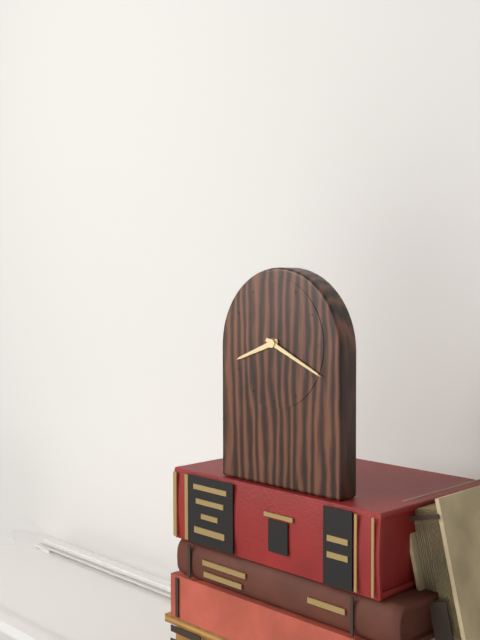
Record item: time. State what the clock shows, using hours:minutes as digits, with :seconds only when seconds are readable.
8:19
